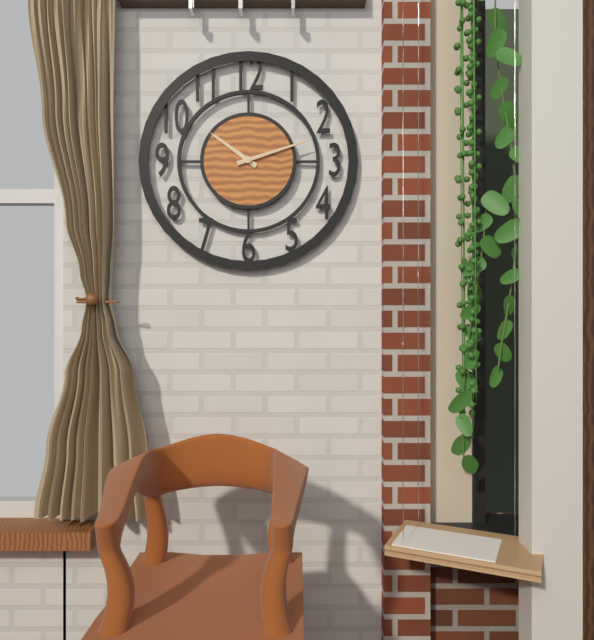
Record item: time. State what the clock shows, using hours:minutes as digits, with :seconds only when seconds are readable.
10:12
